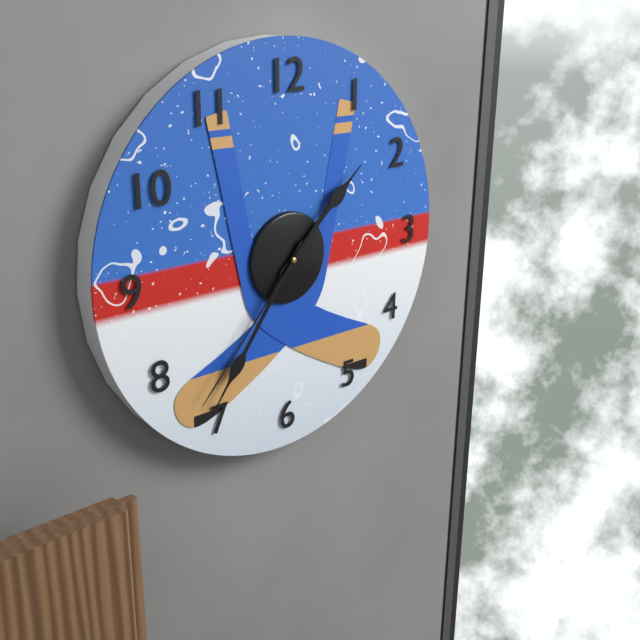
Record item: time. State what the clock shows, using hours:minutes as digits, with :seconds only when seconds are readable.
1:36:37
